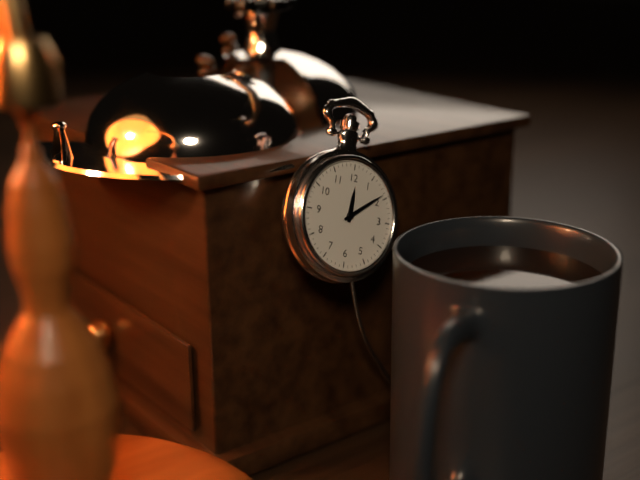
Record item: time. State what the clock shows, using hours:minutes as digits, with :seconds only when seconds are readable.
12:09
